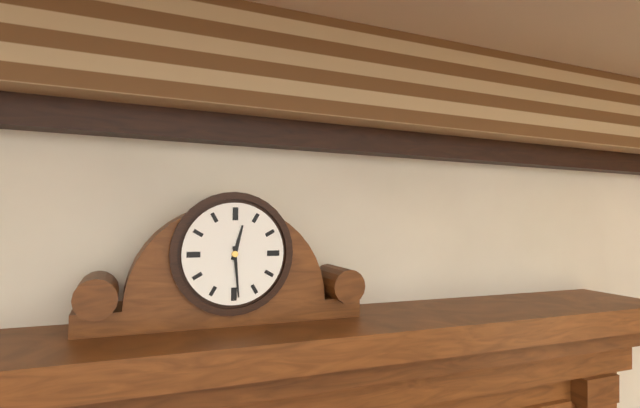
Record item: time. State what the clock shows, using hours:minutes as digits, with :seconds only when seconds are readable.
12:29
